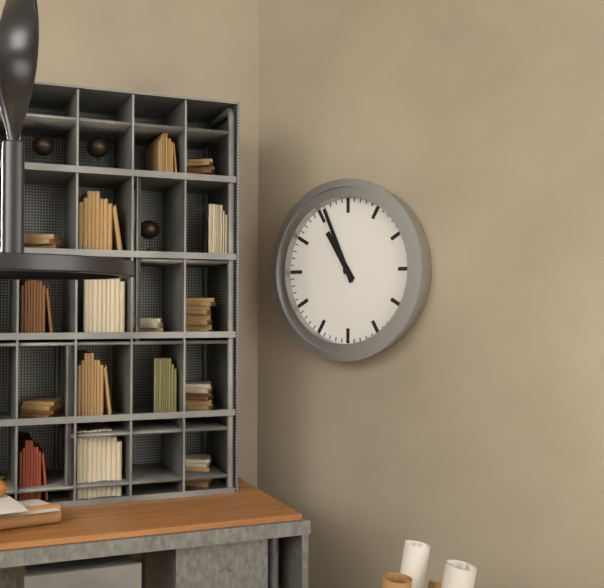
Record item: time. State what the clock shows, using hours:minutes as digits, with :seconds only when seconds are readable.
10:56
